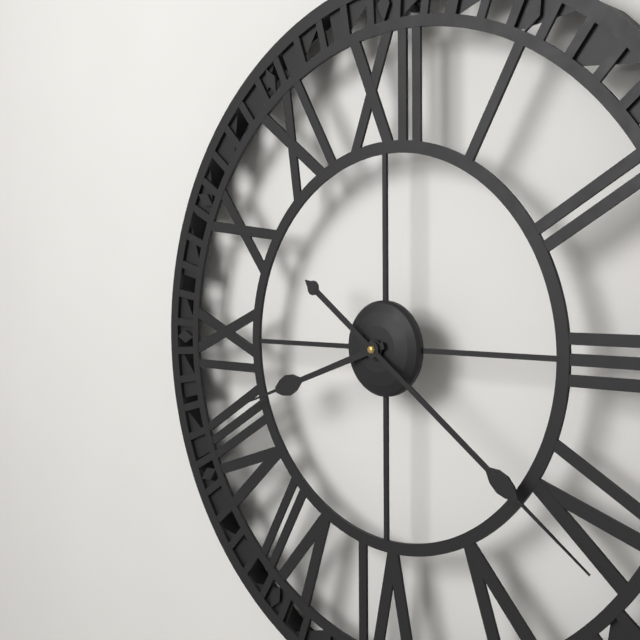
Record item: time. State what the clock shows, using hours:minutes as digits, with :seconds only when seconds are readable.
8:21
